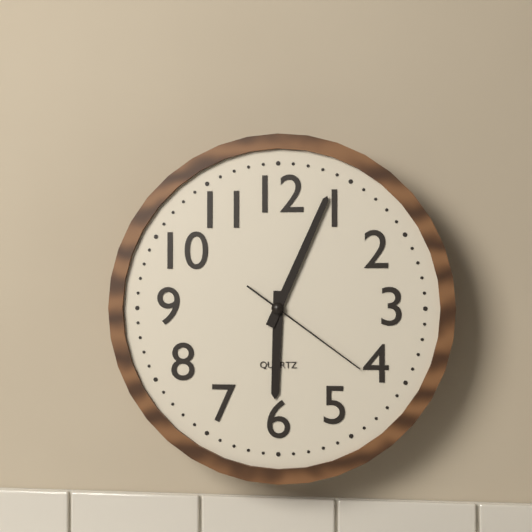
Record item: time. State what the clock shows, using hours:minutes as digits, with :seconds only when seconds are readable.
6:04:21
